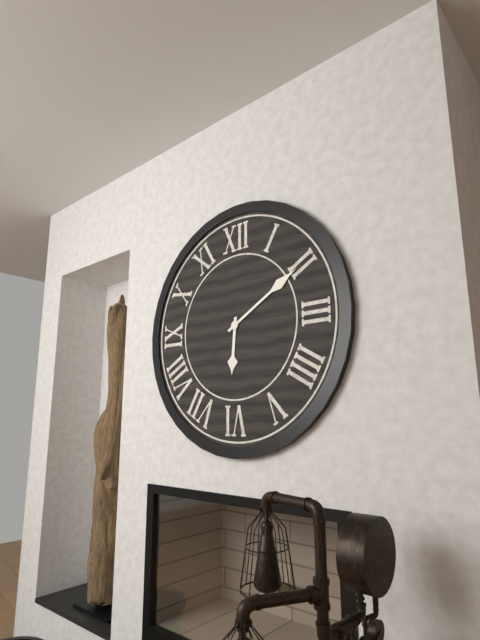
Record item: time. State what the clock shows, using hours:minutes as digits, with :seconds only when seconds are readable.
6:10
